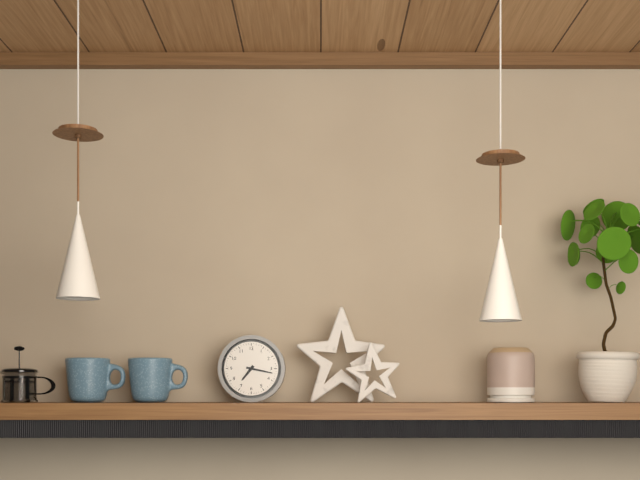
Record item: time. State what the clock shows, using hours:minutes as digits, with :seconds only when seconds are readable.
7:17
